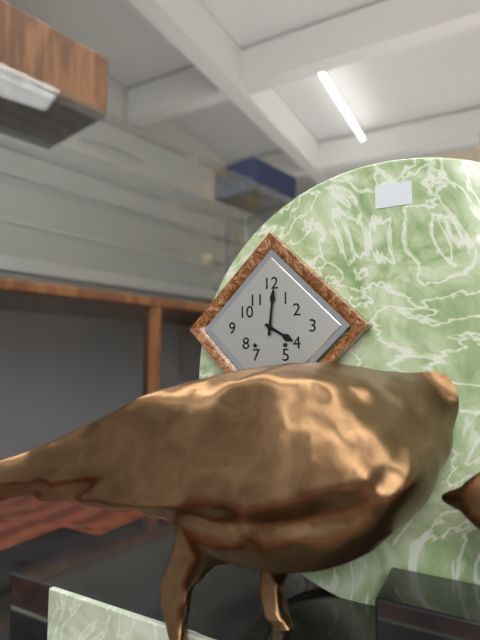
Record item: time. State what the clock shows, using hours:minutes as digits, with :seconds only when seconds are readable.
4:01
